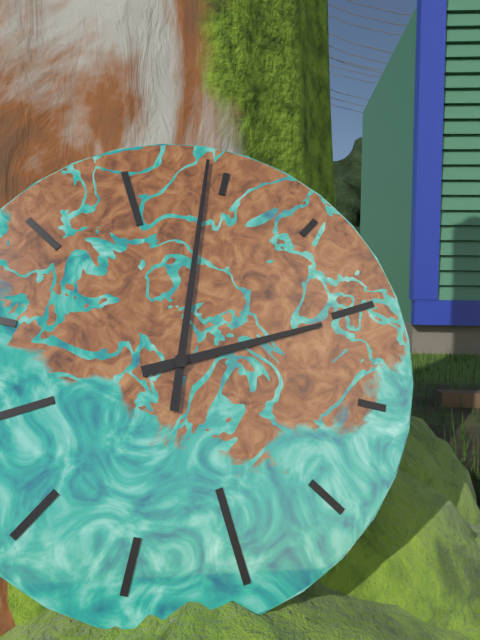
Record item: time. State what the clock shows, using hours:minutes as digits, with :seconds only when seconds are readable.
3:04
